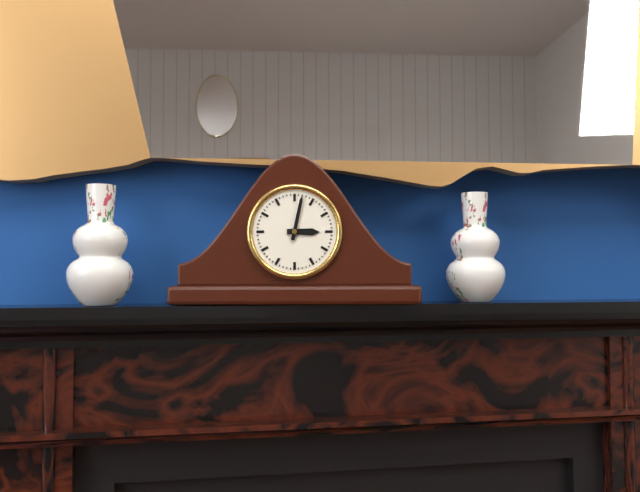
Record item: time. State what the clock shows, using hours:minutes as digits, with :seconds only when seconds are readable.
3:02
